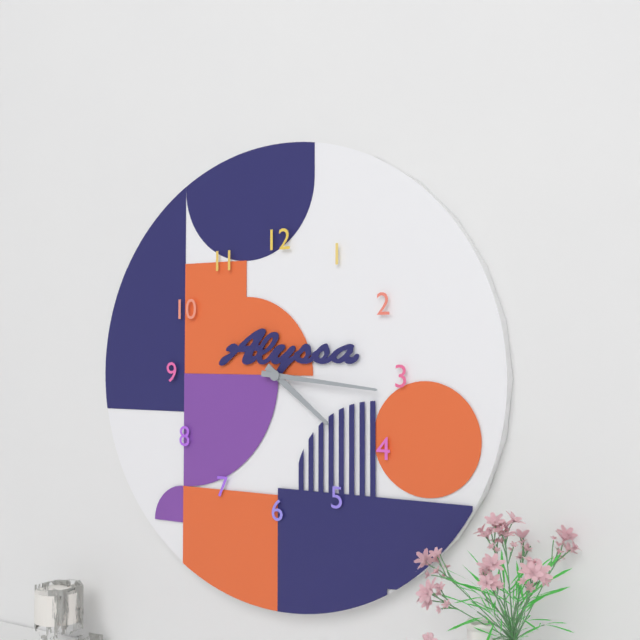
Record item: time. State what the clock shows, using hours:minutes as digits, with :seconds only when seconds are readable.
4:16
